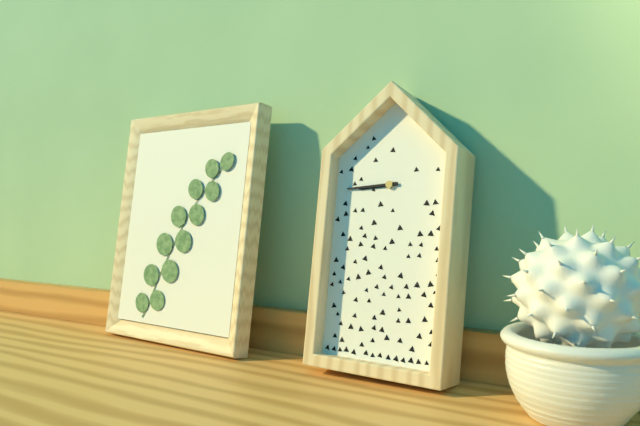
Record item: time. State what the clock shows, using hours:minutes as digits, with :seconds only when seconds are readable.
8:44
